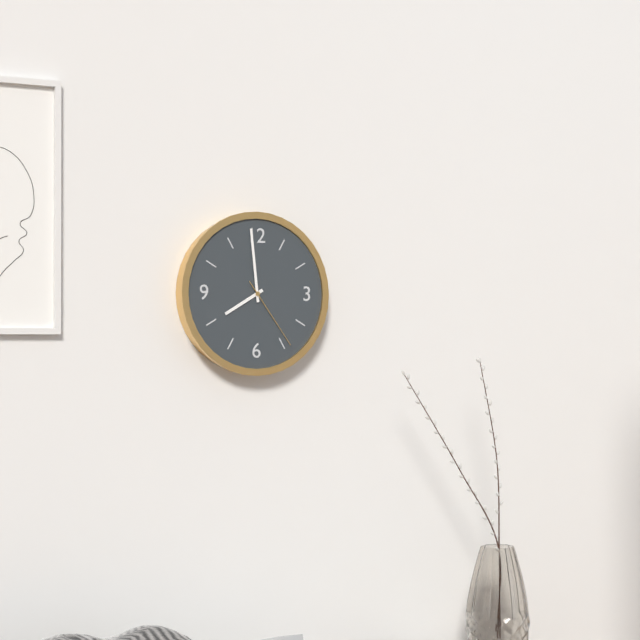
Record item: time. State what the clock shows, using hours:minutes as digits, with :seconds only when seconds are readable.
7:59:24
